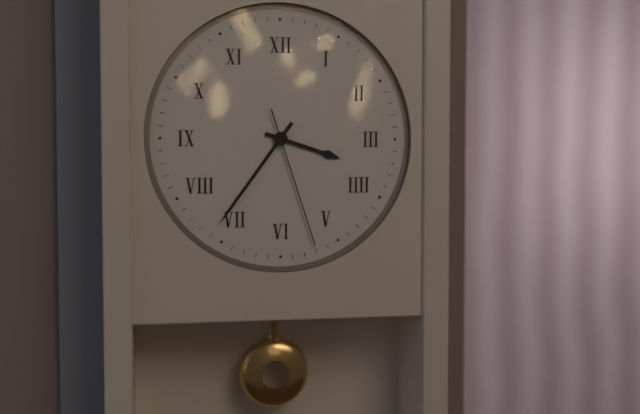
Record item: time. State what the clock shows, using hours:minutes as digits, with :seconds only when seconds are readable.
3:36:27
